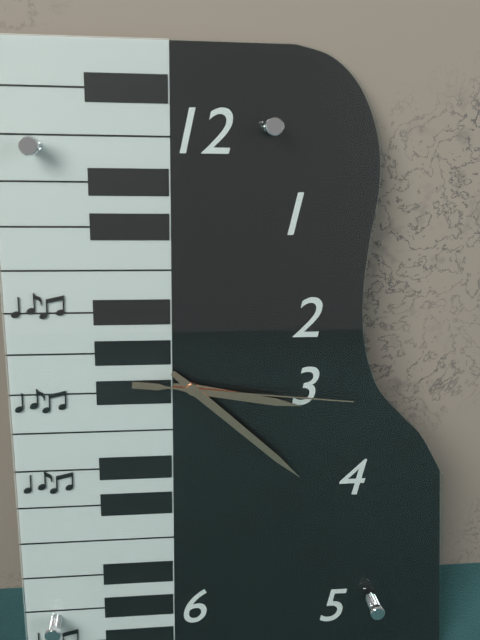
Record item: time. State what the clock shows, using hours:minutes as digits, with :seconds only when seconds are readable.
3:22:16
